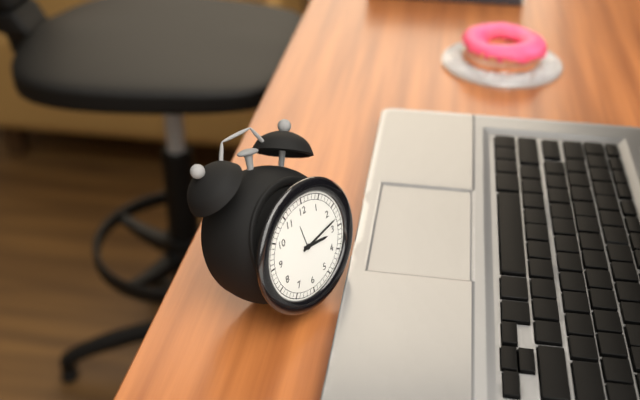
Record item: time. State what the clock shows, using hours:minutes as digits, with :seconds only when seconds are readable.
3:13
